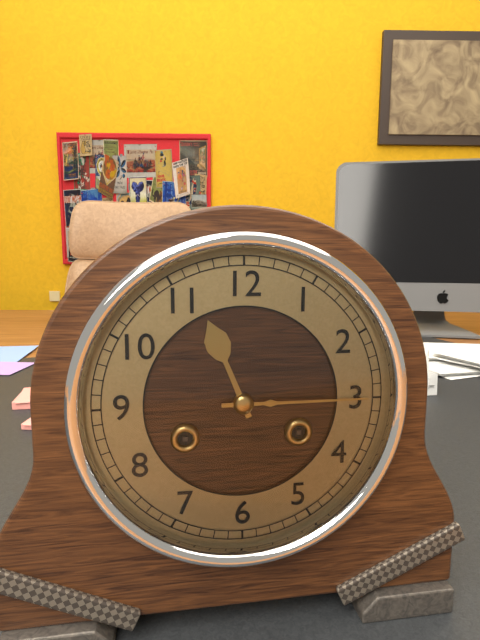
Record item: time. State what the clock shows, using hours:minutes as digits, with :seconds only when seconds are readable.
11:15
